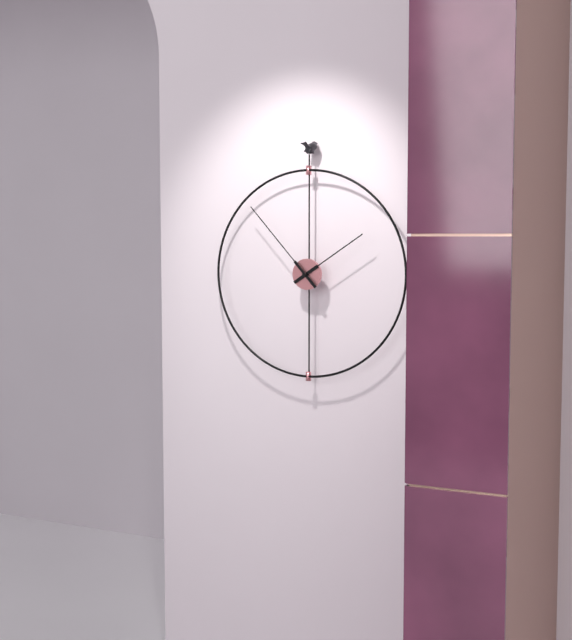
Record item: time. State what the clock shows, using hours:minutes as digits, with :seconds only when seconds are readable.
1:53
